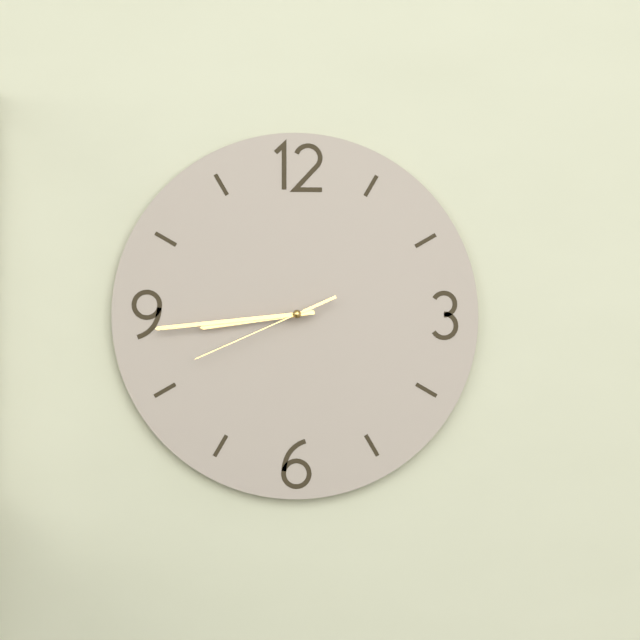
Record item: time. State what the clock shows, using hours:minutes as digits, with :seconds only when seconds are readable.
8:44:41
